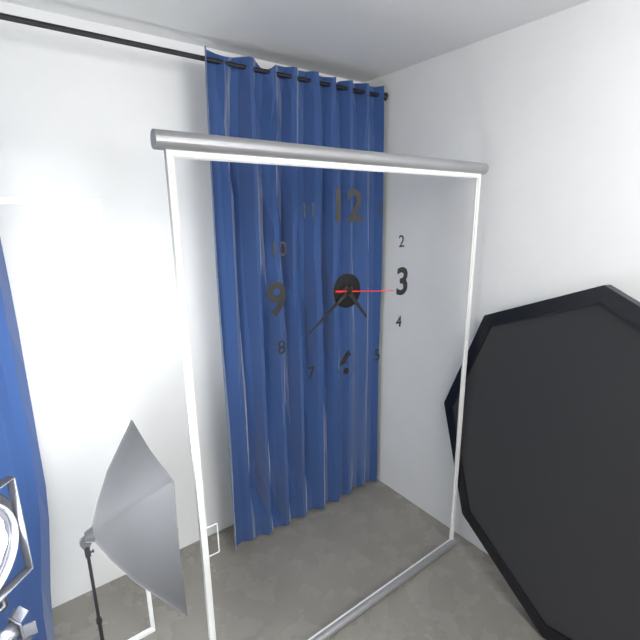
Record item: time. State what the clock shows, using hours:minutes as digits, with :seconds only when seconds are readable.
4:39:16
